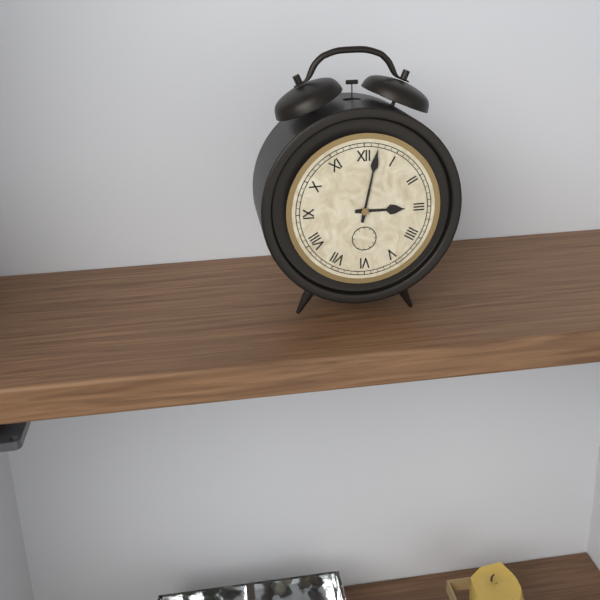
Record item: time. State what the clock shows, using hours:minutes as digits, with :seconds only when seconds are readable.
3:02
